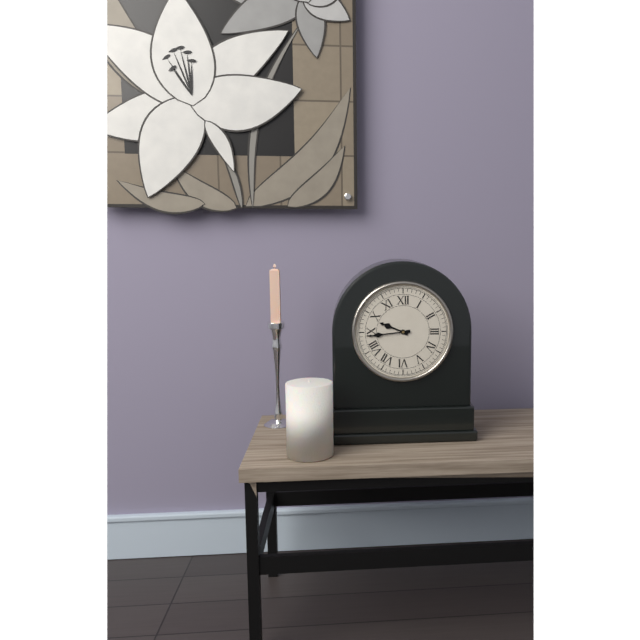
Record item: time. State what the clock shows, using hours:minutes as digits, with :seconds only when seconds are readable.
9:44
